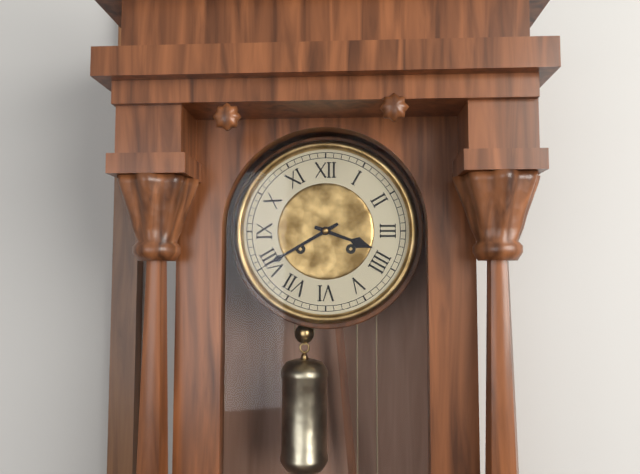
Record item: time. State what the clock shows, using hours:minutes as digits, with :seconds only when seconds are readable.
3:40
